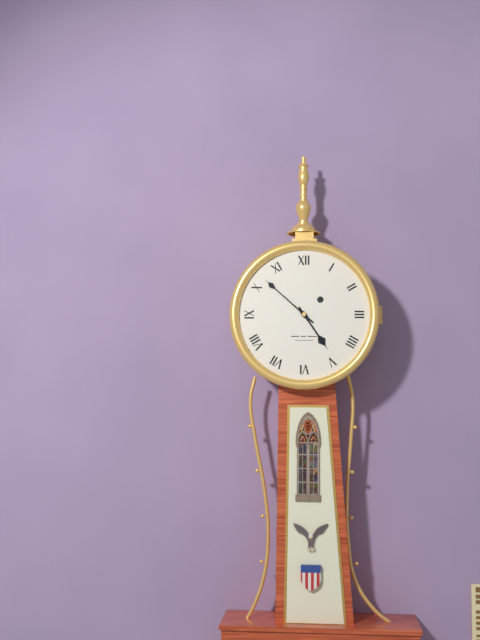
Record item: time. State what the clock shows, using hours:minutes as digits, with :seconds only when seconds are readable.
4:52
